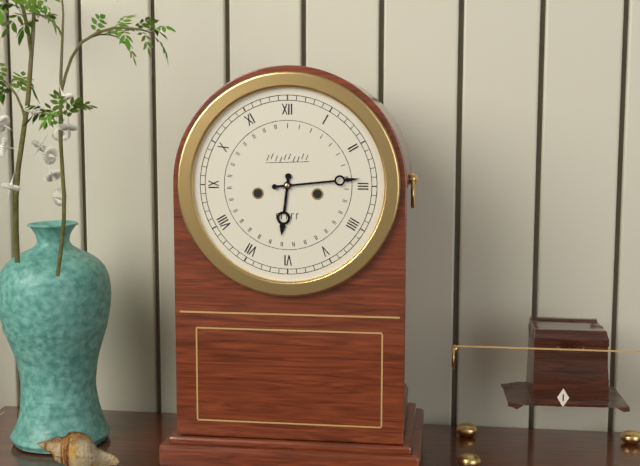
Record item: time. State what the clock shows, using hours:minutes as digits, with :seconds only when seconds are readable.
6:14
